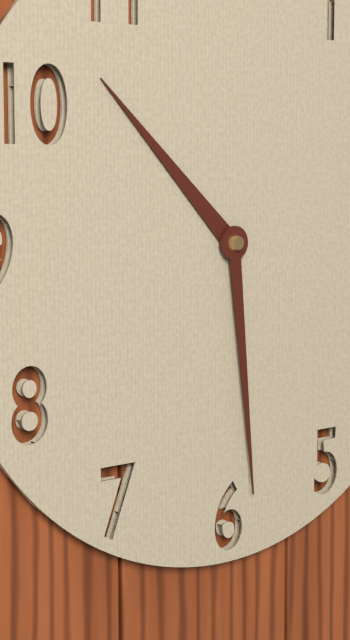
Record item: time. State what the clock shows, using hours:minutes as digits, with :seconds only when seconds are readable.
10:29
